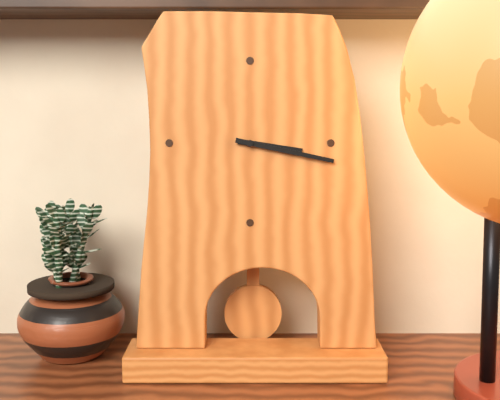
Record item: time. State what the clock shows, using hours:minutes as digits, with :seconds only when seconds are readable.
3:17
